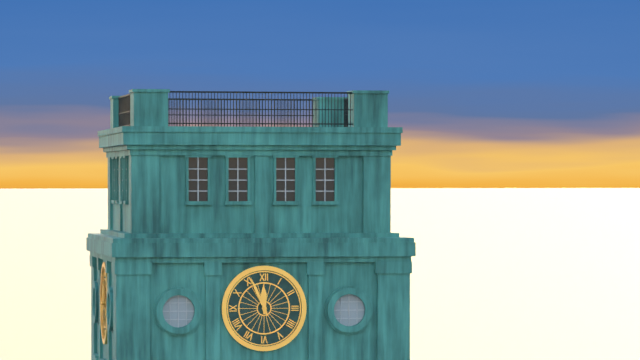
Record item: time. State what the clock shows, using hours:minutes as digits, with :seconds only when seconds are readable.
11:56
